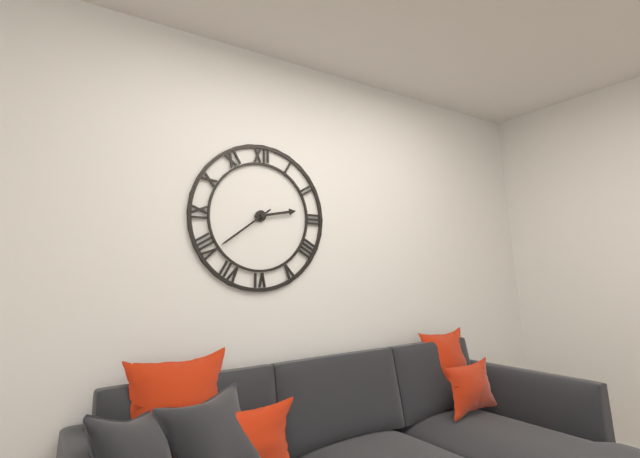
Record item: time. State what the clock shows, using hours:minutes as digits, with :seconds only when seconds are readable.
2:39
